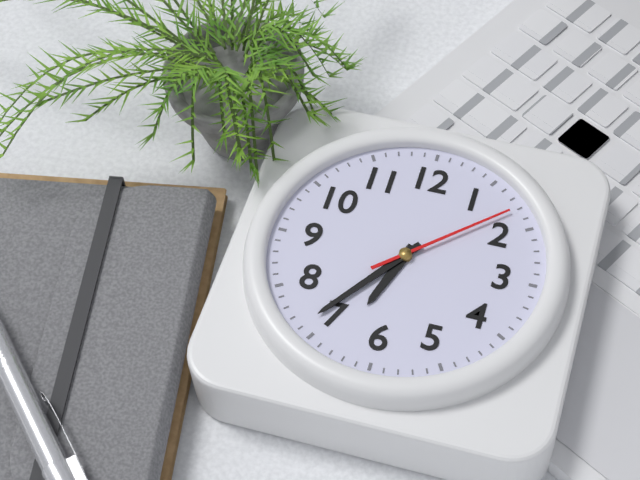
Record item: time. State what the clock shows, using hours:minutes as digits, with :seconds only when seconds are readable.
6:36:08
